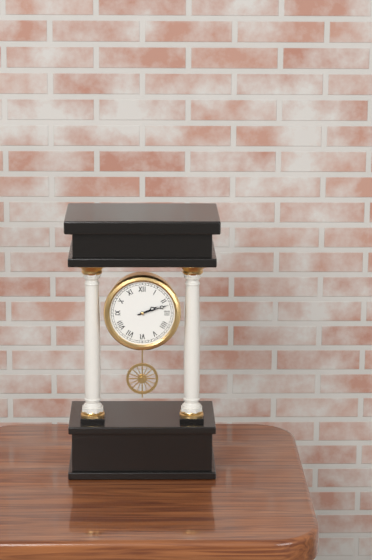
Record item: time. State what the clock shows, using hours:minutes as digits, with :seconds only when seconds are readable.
2:12
